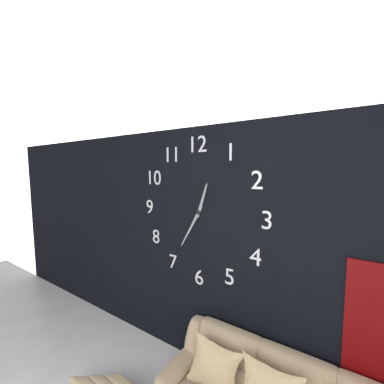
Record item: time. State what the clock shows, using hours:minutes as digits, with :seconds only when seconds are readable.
12:35
